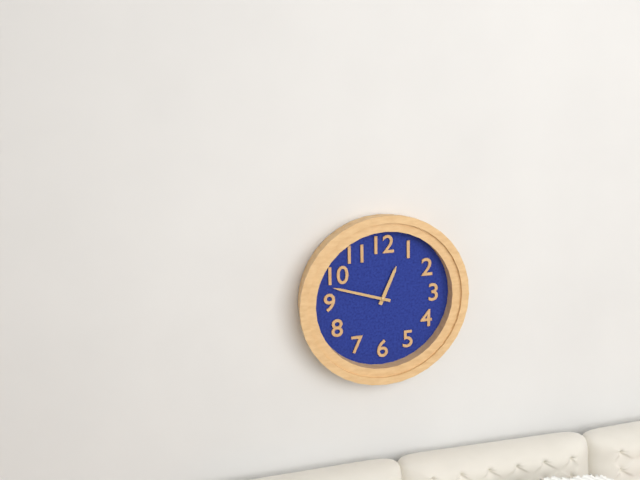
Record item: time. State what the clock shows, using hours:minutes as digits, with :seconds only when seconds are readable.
12:48
